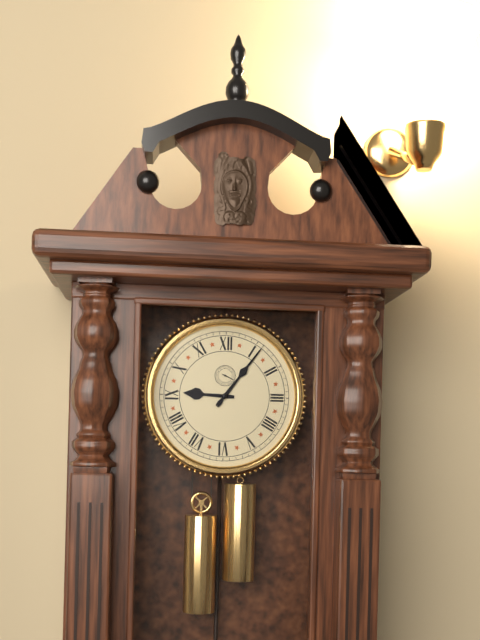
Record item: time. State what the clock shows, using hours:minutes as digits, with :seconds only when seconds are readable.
9:06
